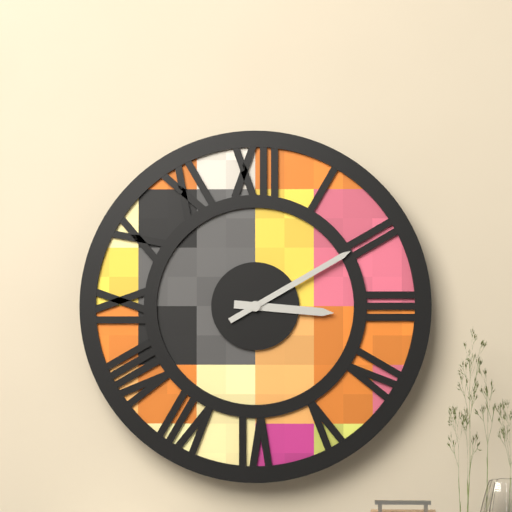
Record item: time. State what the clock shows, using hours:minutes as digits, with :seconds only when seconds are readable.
3:10
